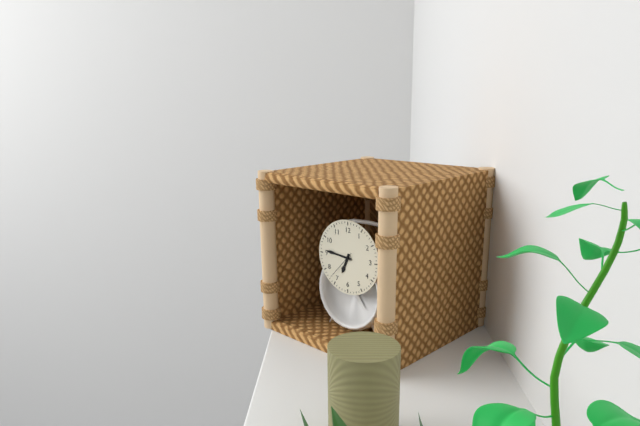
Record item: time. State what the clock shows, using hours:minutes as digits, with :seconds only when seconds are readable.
6:46
